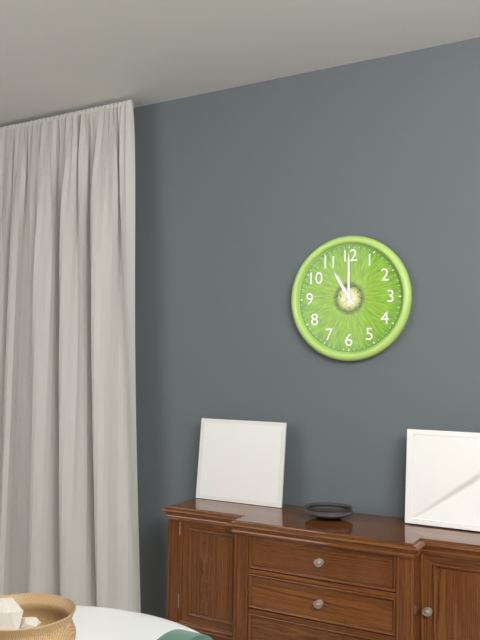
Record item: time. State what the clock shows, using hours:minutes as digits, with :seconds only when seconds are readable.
11:00
